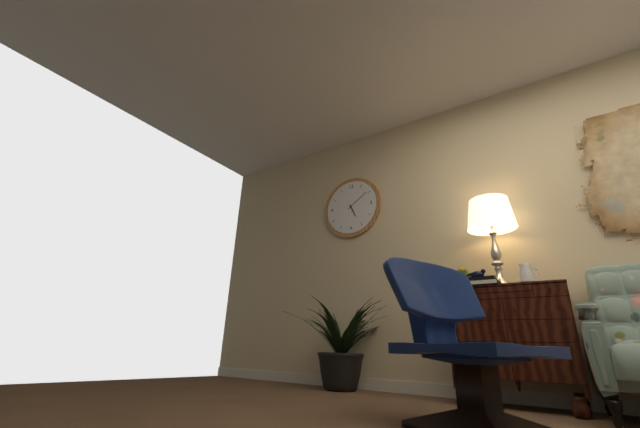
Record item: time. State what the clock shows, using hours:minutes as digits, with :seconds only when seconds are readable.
5:09
